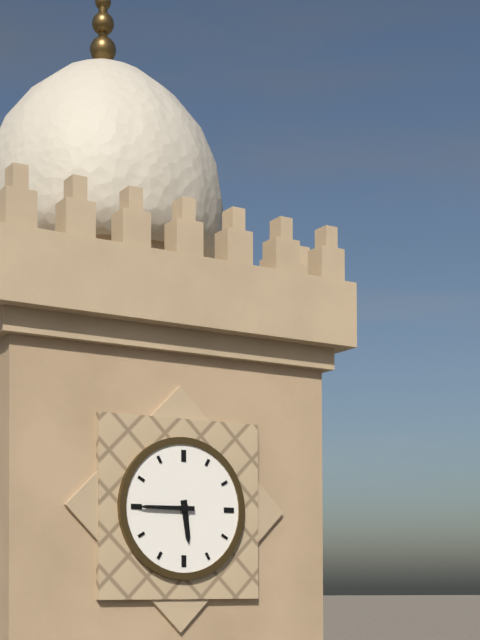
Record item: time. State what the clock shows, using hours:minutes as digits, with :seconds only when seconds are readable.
5:45
